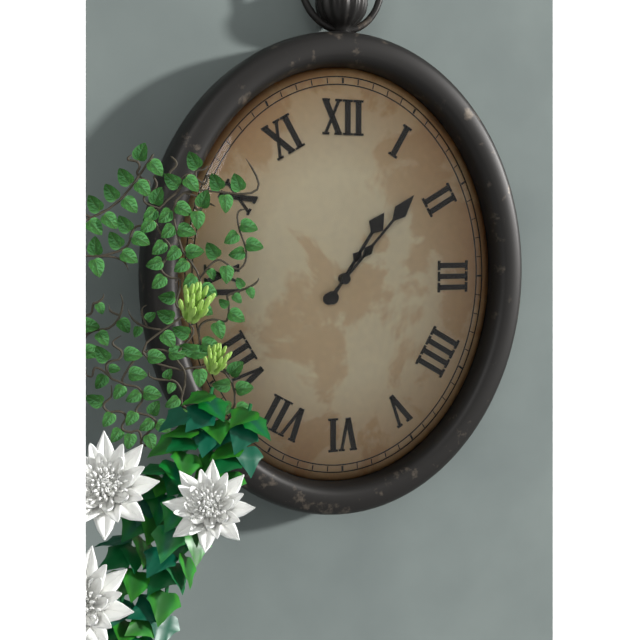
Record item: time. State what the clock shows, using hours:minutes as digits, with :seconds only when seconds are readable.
1:07
